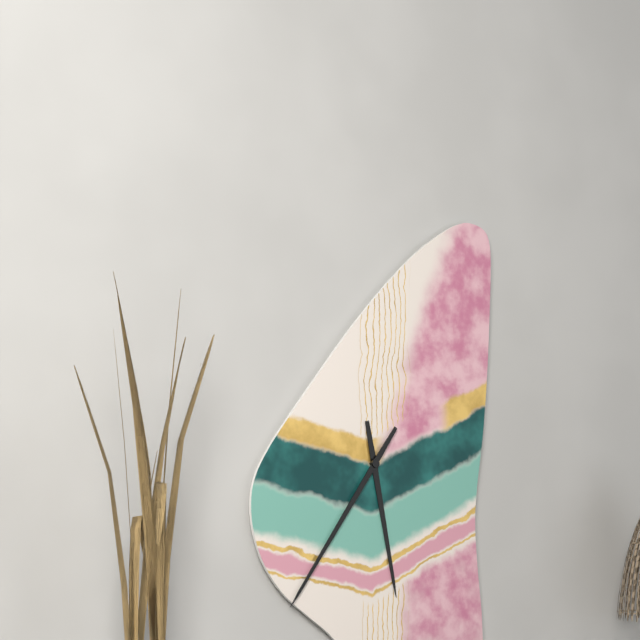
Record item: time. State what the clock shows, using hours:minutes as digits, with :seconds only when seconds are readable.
5:36
